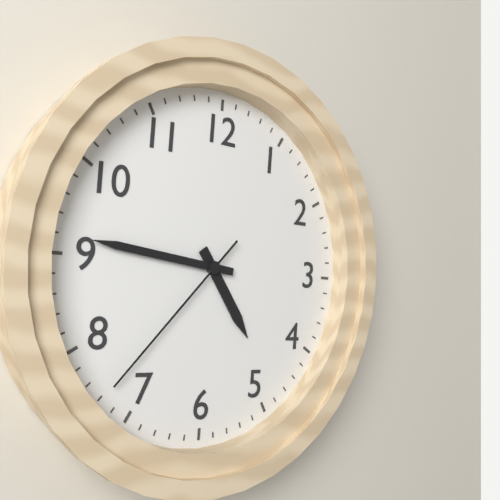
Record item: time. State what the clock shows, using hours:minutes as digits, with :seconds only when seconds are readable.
4:46:37
